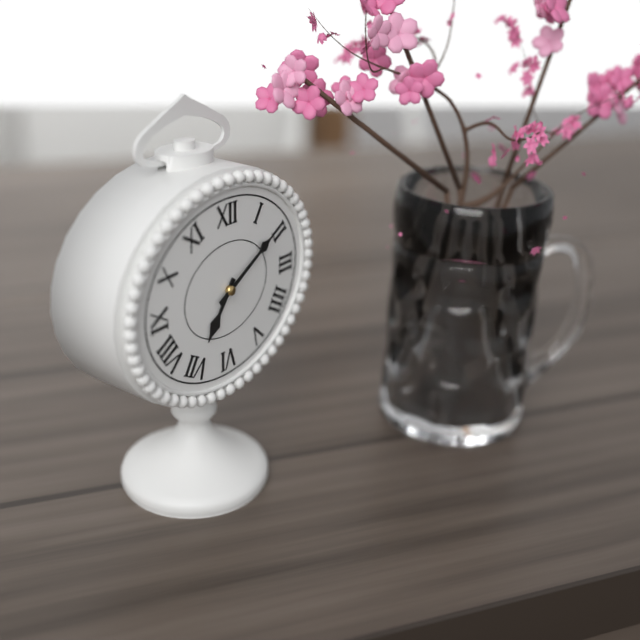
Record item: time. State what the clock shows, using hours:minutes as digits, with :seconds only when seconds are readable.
7:10
